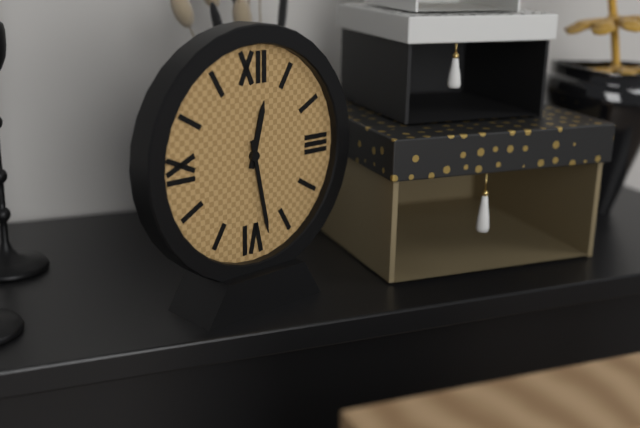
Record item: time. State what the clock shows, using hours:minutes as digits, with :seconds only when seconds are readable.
12:28
